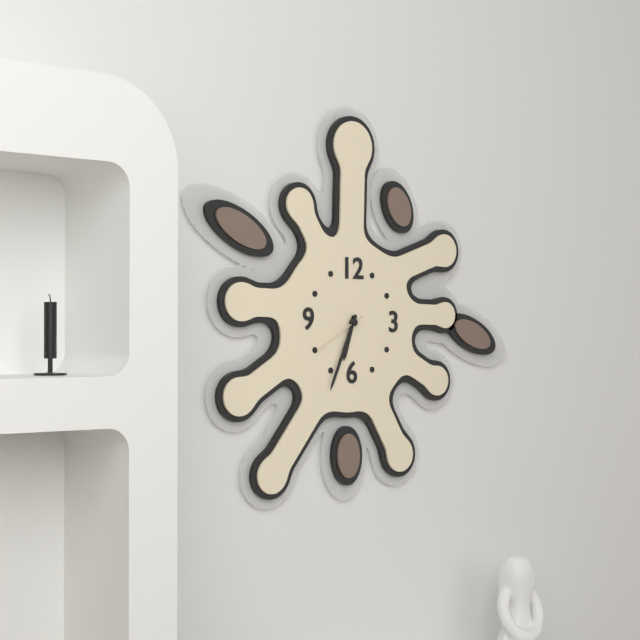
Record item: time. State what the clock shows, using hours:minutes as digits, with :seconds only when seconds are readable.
6:34:40
